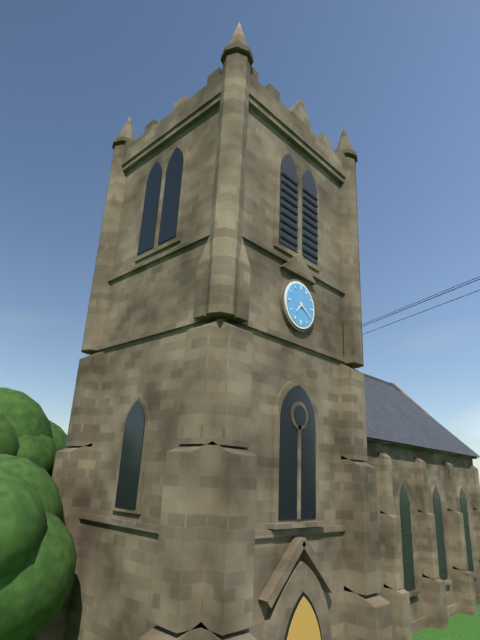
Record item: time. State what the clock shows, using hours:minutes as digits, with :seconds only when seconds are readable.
7:20
